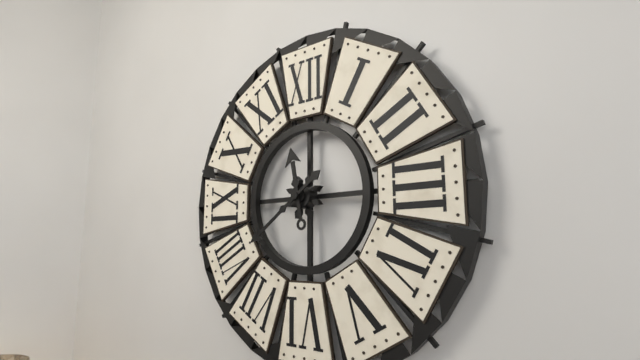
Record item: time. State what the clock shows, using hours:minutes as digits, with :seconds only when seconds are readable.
11:39
